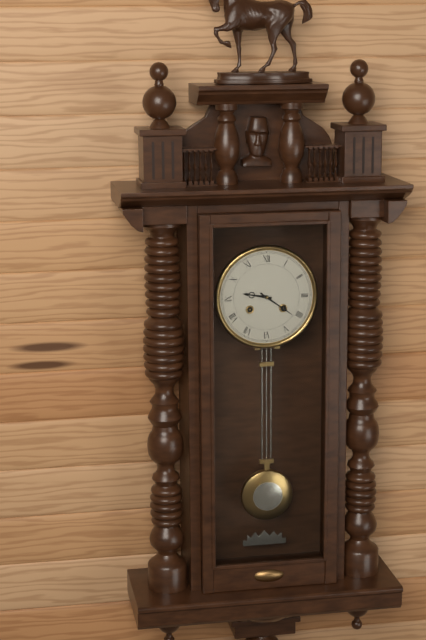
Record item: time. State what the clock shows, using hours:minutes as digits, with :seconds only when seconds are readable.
9:21
